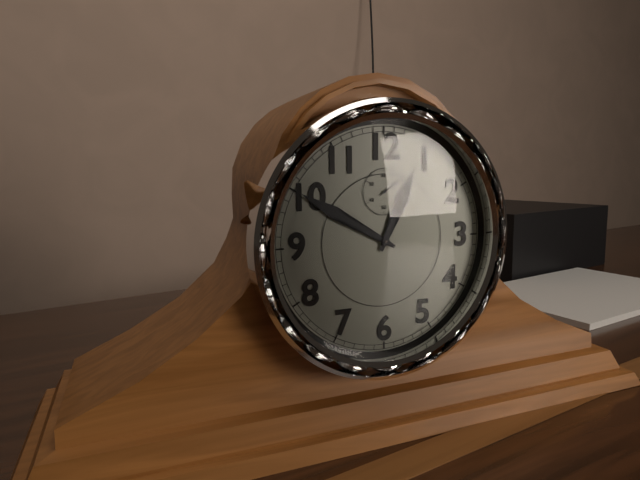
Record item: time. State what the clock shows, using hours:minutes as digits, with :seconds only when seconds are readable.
12:50
